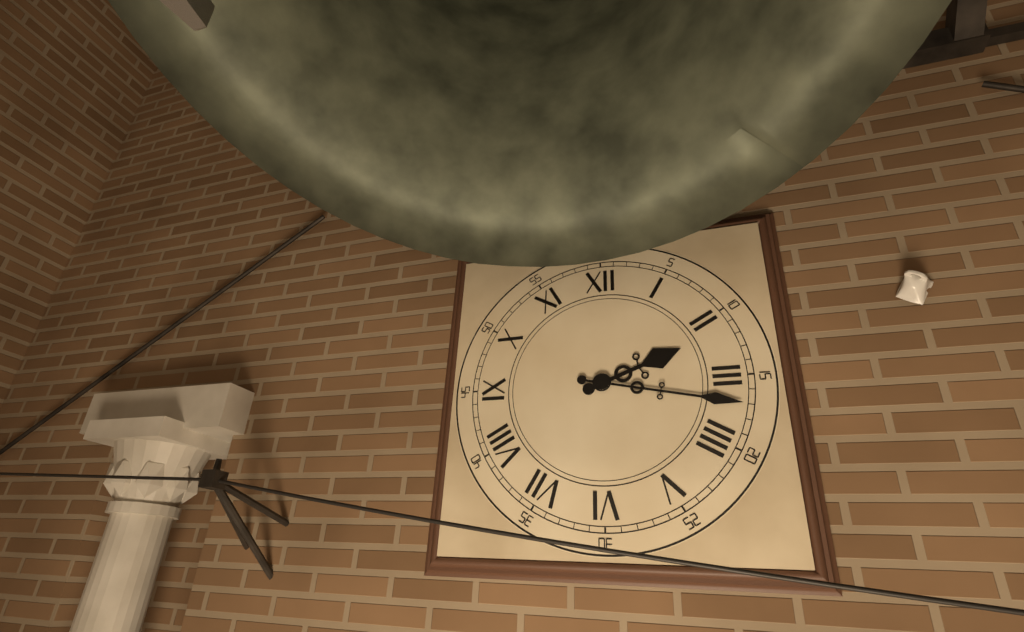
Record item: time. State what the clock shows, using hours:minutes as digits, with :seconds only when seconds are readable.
2:17
